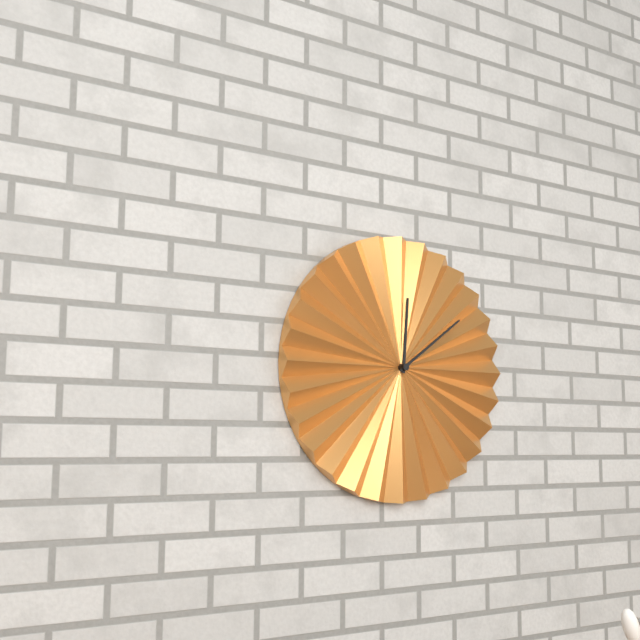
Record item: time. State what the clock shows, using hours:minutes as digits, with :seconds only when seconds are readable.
12:09
